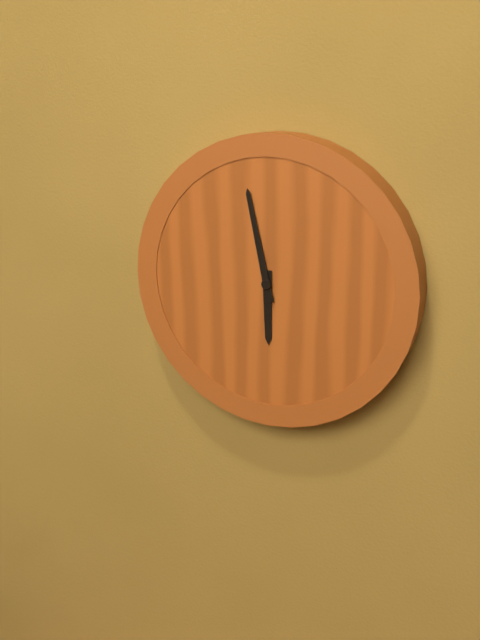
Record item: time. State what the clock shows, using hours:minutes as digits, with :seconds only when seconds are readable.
5:58
